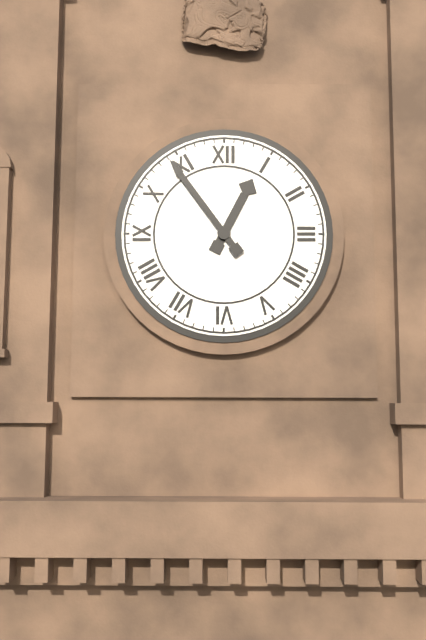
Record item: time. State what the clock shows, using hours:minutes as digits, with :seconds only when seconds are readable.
12:54
